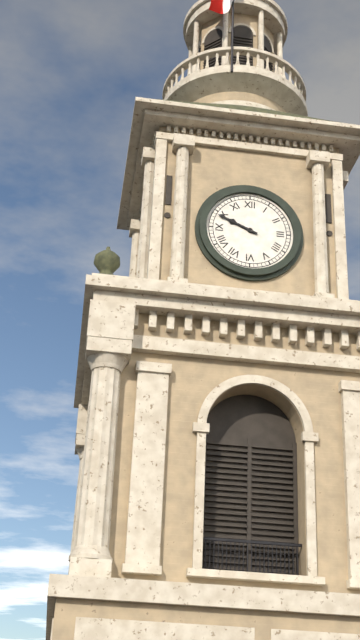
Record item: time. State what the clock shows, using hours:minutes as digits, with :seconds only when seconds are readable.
9:49
